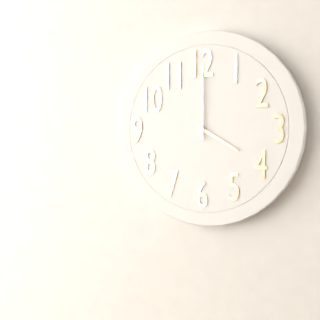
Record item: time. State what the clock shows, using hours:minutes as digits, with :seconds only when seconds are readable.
4:00
